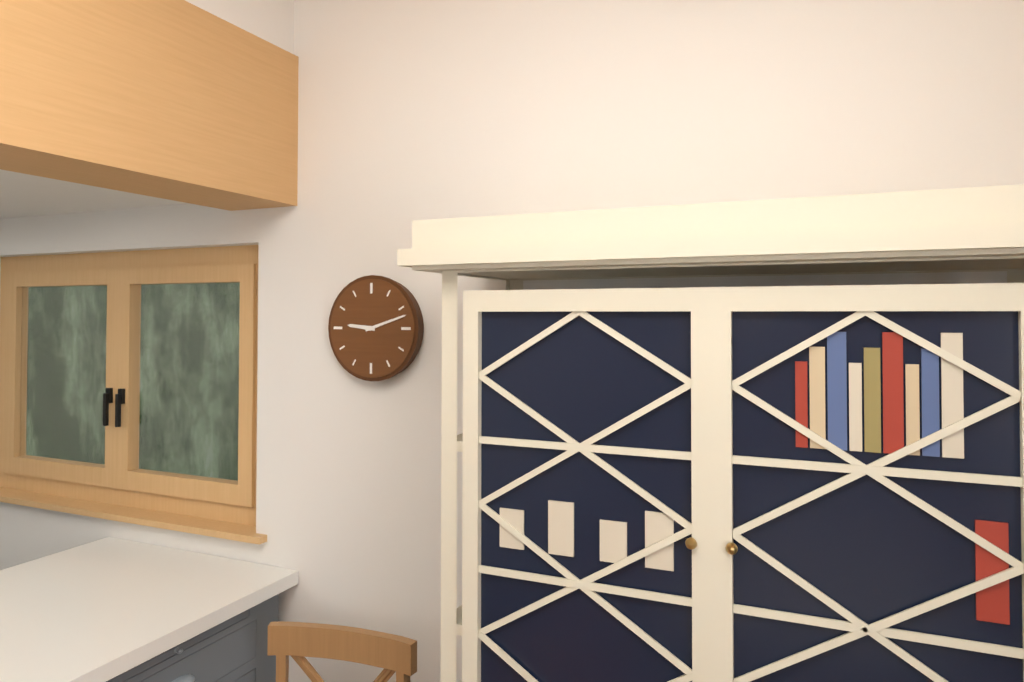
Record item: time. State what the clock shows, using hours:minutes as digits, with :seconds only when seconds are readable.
9:12
